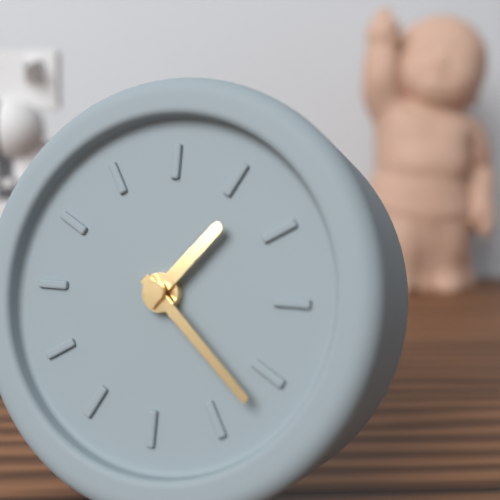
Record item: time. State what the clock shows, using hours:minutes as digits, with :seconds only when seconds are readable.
1:22
